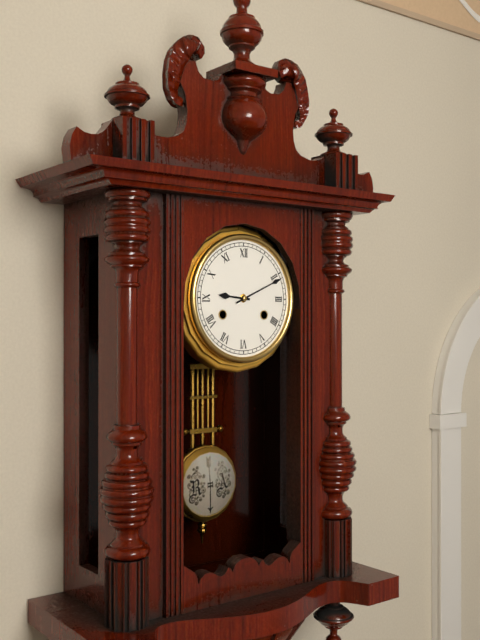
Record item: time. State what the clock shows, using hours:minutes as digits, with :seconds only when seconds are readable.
9:11
